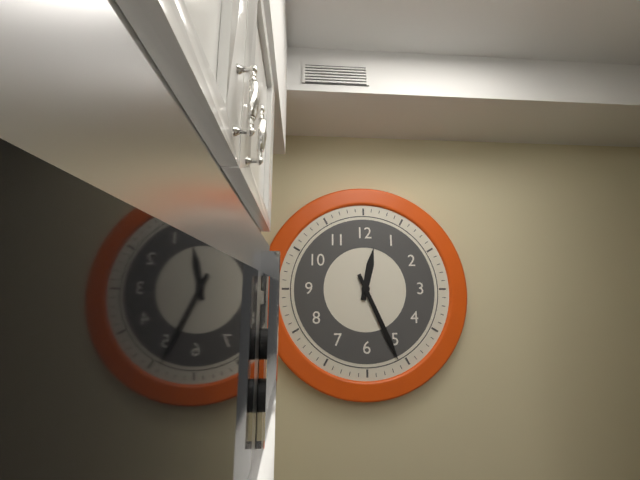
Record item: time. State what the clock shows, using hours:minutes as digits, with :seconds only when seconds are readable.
12:26
